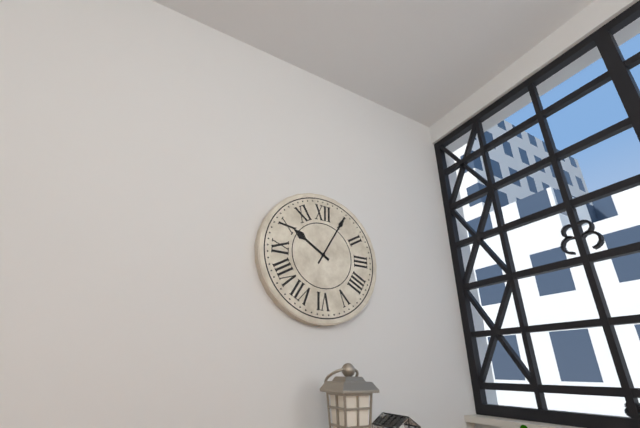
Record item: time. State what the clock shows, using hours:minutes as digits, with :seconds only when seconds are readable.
10:05
